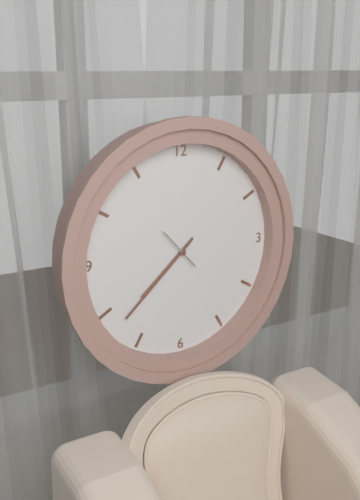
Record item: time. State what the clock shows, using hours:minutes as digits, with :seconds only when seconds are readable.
7:38
